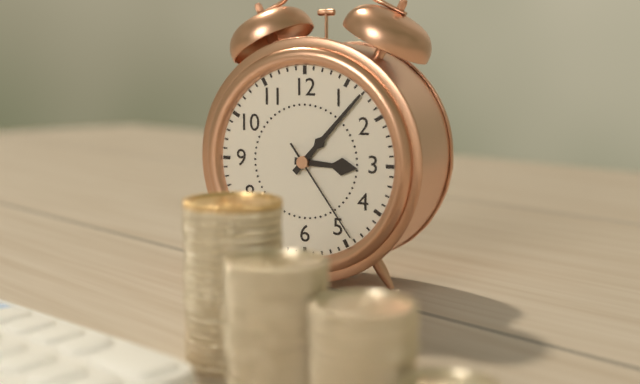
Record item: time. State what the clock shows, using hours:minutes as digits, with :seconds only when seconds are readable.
3:07:24
